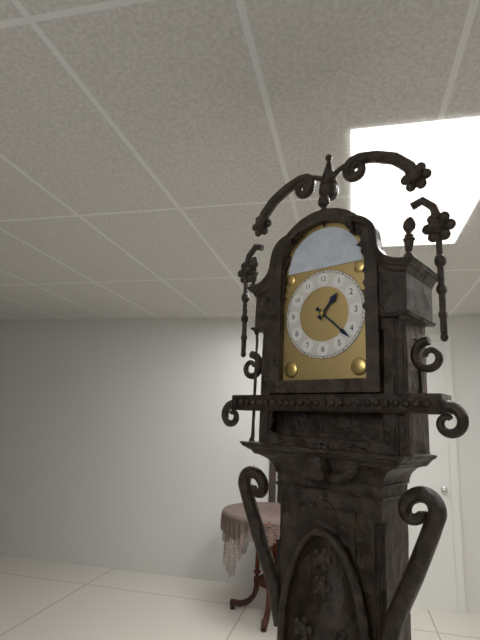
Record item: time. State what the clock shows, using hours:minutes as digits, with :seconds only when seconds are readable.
1:22
